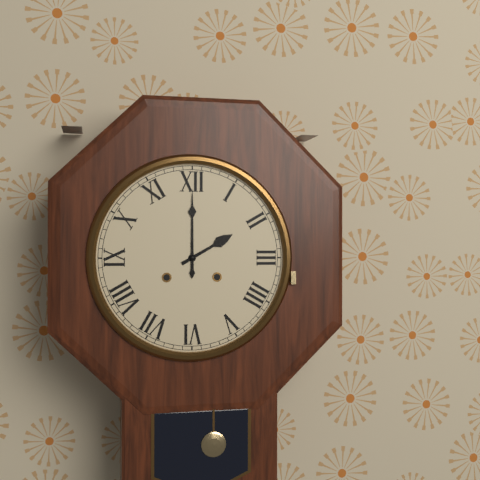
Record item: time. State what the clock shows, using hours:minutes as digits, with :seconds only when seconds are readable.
2:00
